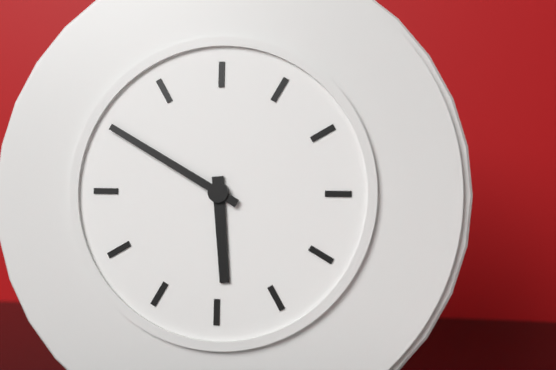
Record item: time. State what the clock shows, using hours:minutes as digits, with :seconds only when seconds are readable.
5:50
